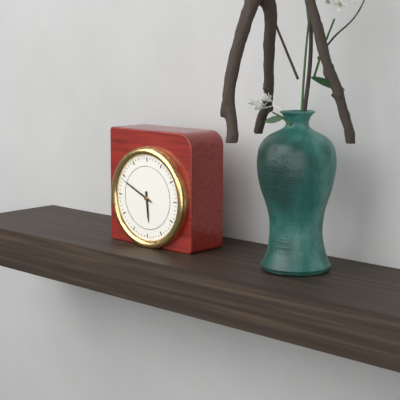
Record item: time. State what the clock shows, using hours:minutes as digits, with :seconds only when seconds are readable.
5:49
